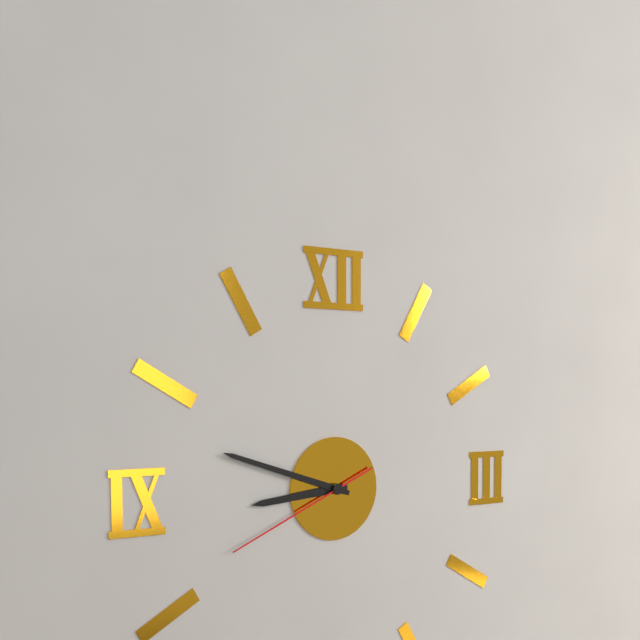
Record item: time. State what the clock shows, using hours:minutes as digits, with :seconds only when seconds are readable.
8:48:41
